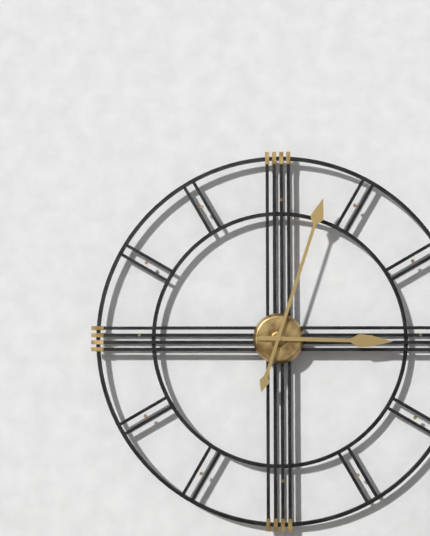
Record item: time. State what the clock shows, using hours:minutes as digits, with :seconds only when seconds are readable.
3:03
